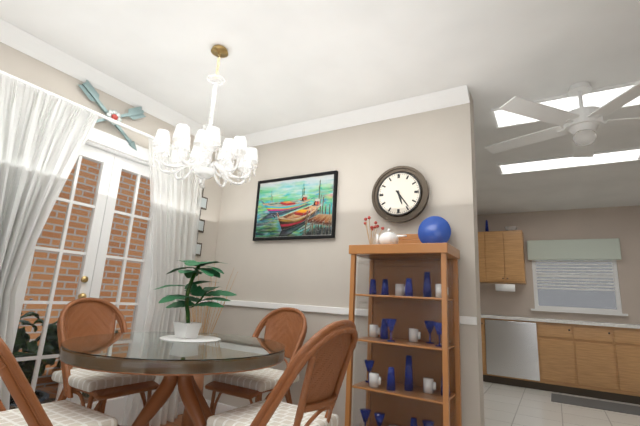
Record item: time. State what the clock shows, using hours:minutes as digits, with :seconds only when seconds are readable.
5:24
